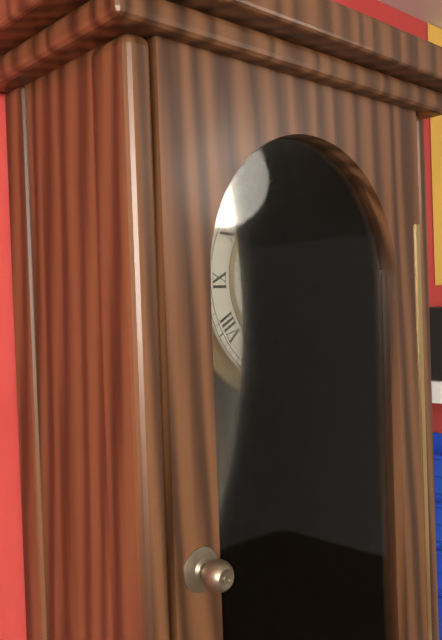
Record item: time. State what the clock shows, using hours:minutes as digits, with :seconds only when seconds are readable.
11:36
